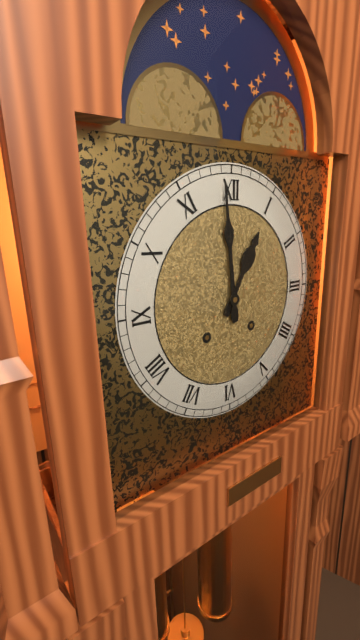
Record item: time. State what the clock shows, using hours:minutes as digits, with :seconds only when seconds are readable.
12:59
